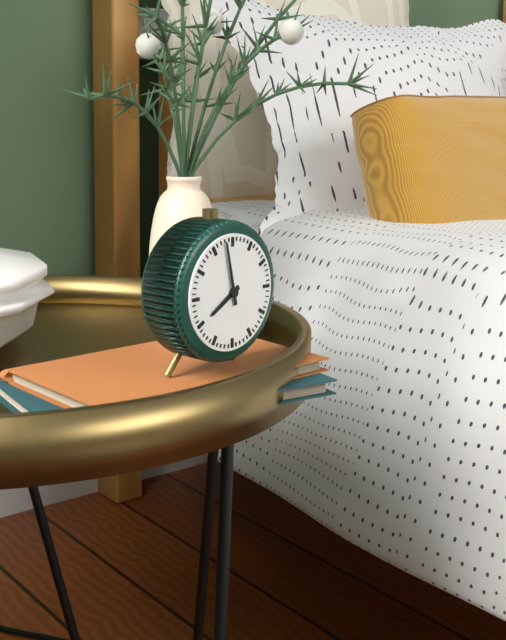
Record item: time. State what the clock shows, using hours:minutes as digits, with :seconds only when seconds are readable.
7:58
